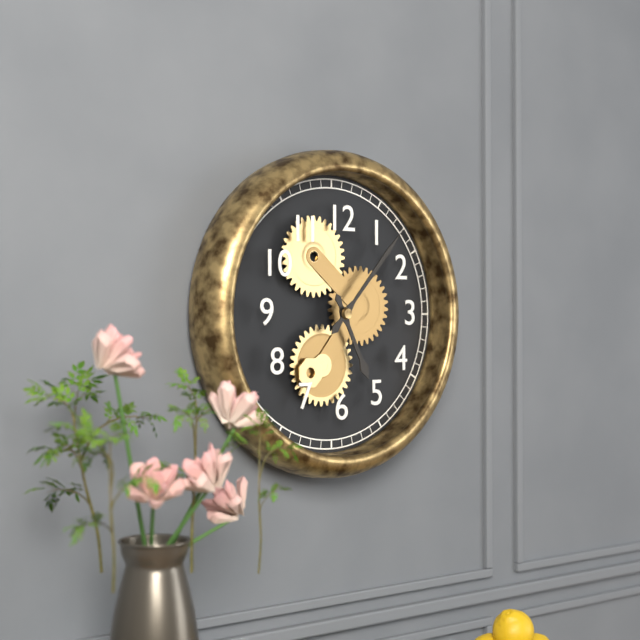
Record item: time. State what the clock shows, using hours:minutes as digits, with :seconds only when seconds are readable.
5:07
